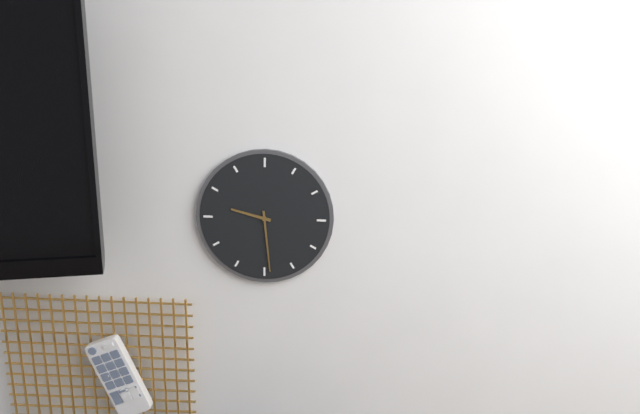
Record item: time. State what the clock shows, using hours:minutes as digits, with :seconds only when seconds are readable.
9:29
